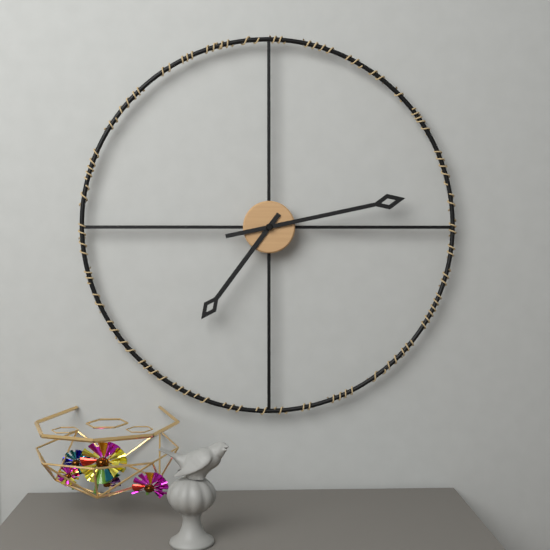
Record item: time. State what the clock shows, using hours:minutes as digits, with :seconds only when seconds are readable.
7:13
